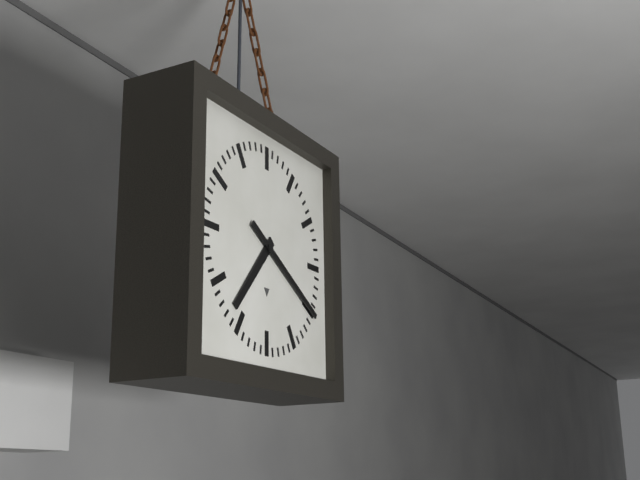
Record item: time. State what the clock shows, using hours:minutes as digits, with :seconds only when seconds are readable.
7:20
